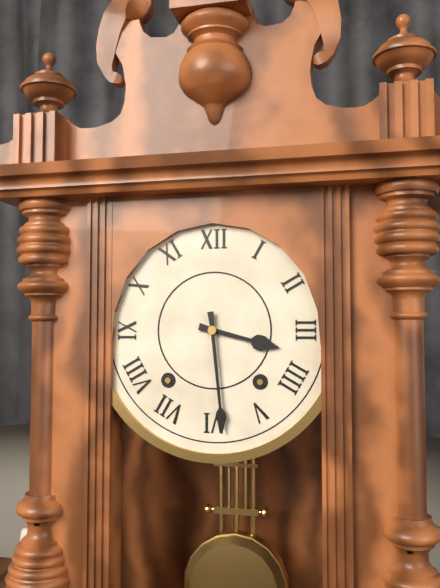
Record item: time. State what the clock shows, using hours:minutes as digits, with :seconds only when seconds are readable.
3:29
